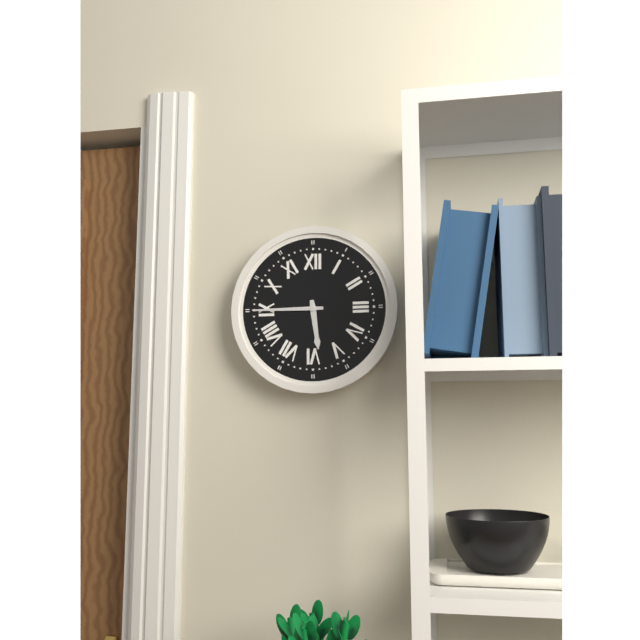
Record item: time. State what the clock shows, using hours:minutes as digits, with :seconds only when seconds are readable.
5:45
